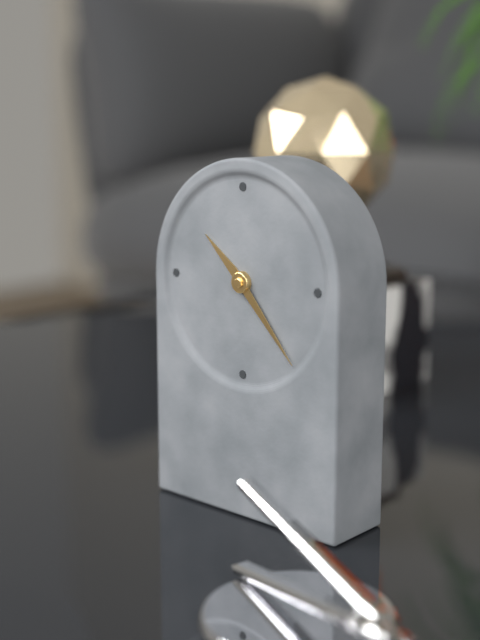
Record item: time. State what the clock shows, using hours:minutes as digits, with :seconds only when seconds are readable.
10:23
